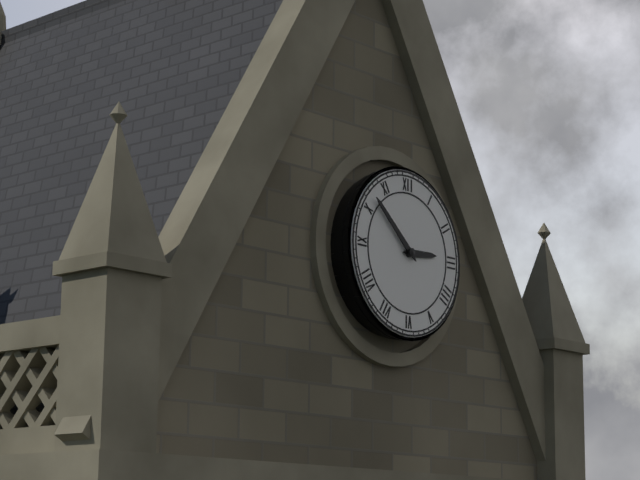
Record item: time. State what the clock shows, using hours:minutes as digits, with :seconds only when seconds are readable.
2:52
